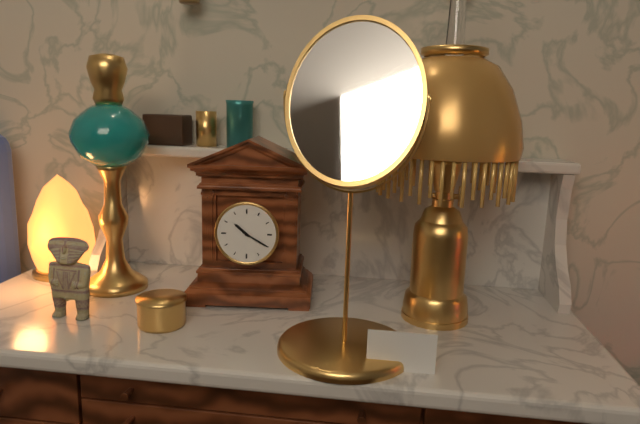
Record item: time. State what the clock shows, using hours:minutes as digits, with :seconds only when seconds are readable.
10:20
